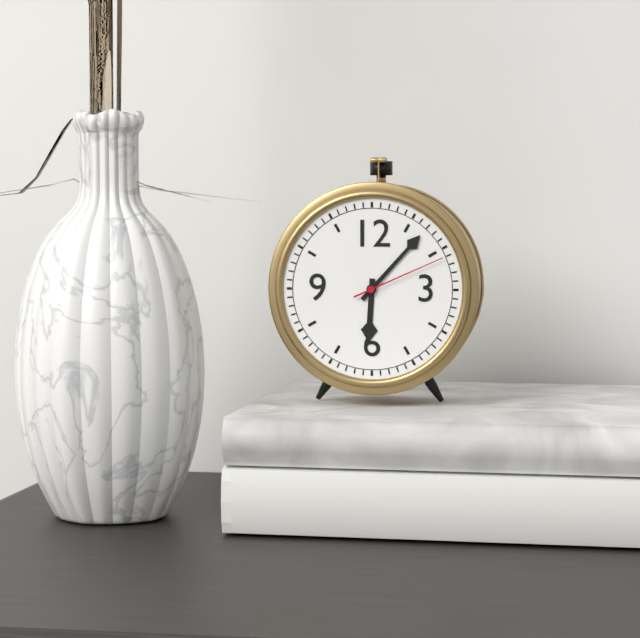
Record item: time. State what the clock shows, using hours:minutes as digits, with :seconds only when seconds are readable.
6:07:11
